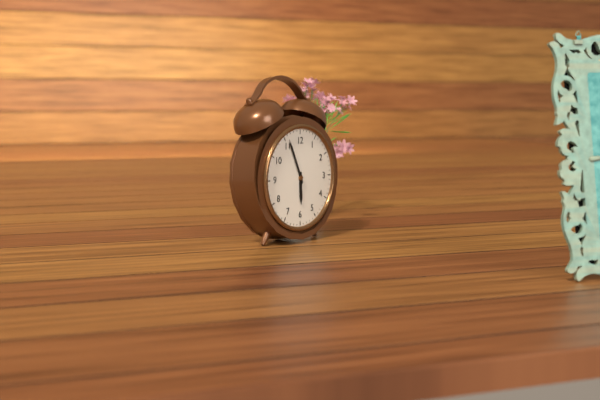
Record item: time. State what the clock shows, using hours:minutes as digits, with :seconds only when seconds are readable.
5:56
